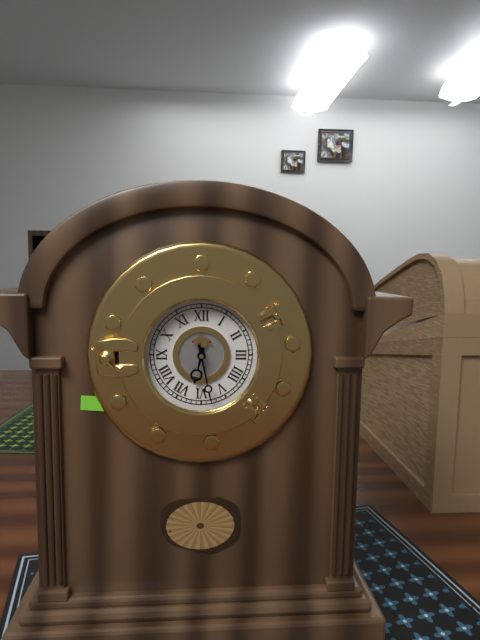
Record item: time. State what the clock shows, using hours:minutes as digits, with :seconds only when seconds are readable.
6:28
